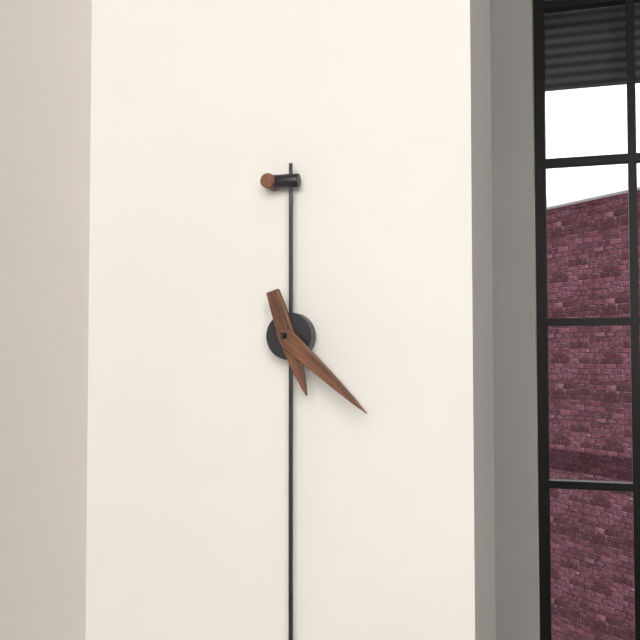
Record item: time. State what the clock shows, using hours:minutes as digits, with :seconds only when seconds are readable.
5:22
